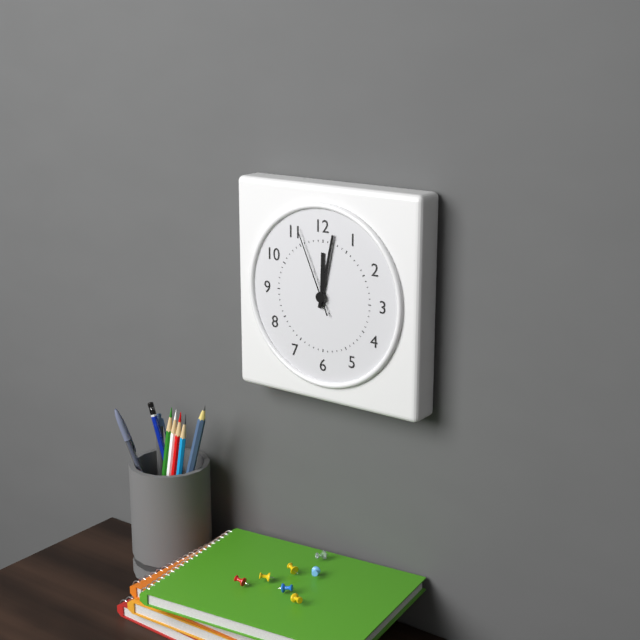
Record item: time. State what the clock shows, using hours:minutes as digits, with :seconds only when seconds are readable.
12:02:56
